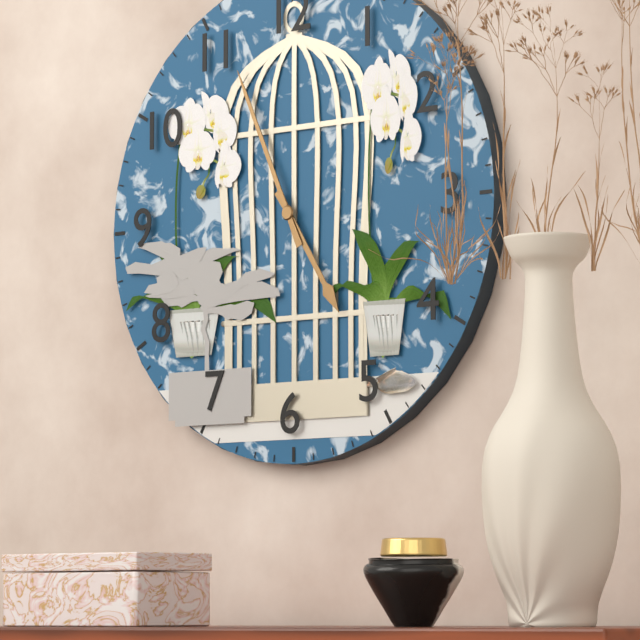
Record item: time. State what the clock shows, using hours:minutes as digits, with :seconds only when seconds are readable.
4:56
